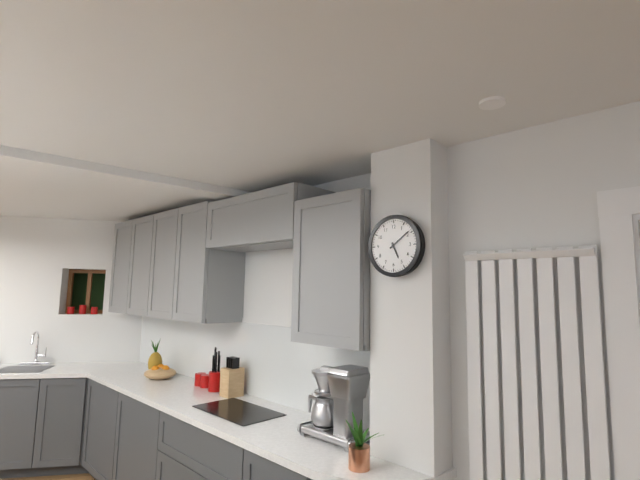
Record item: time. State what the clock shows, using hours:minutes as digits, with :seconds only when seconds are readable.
5:09
